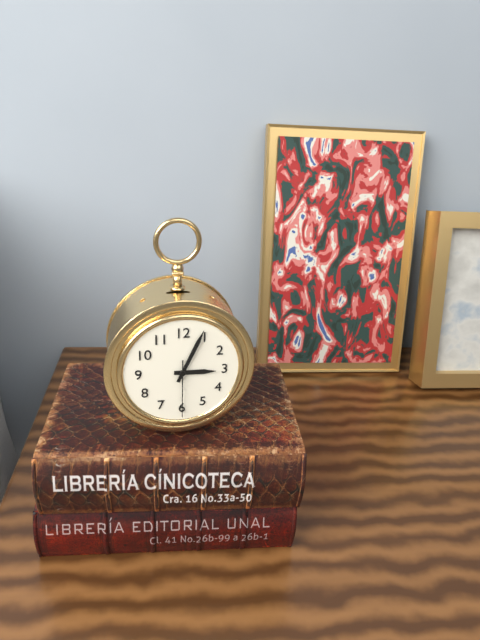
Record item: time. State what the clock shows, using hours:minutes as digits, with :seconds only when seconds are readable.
3:04:30
